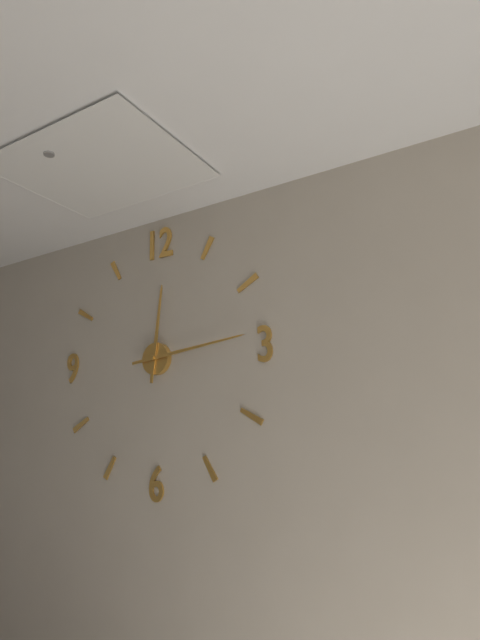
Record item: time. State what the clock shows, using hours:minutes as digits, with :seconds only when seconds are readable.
12:14
